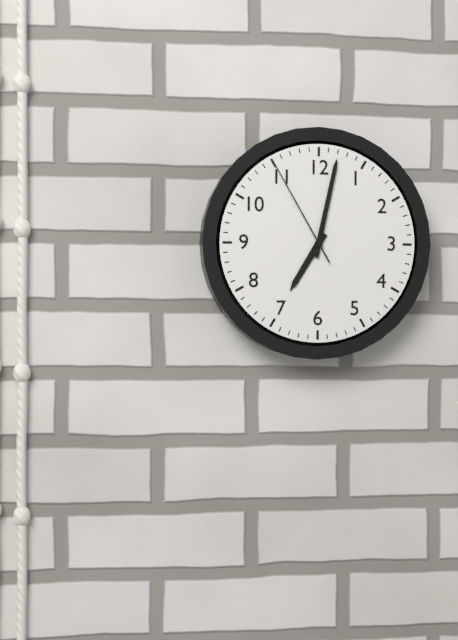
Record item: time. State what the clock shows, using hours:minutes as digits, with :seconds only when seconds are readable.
7:02:55
